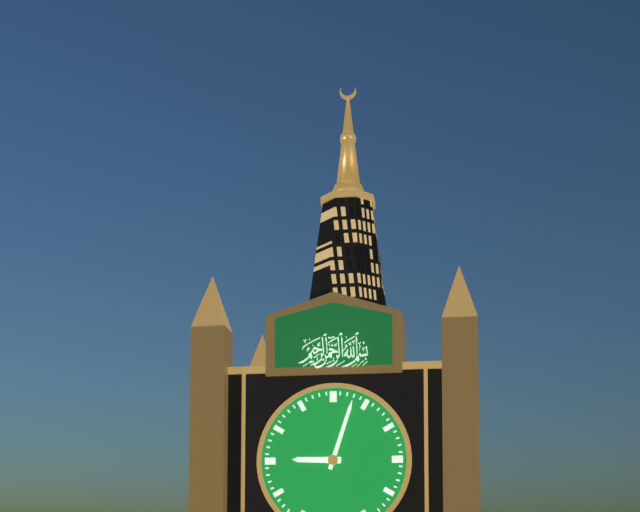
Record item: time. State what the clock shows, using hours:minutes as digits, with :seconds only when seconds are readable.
9:03
